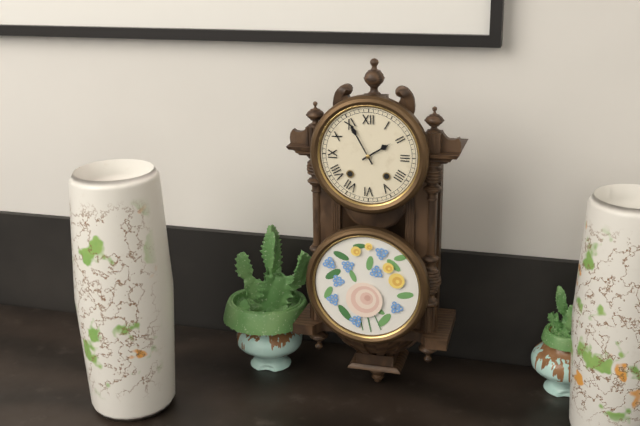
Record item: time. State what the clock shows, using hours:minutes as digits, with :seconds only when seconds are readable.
1:55
